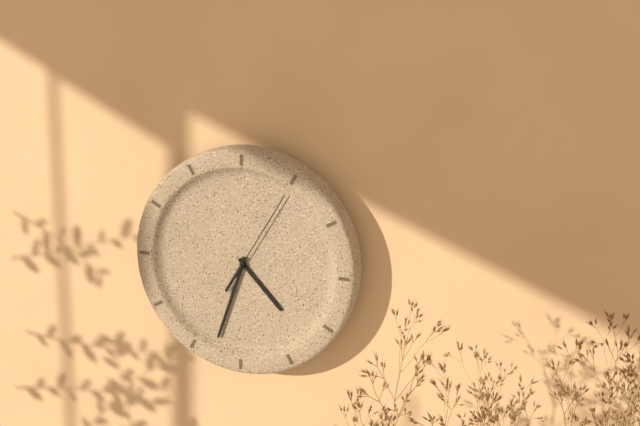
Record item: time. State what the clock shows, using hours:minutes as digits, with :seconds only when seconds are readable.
4:33:05
